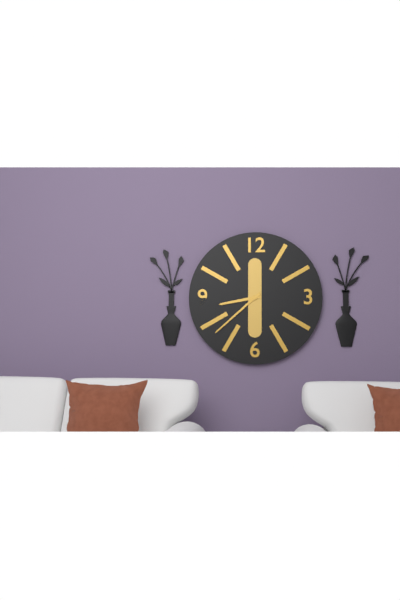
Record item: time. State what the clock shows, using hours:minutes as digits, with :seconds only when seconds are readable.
8:38
